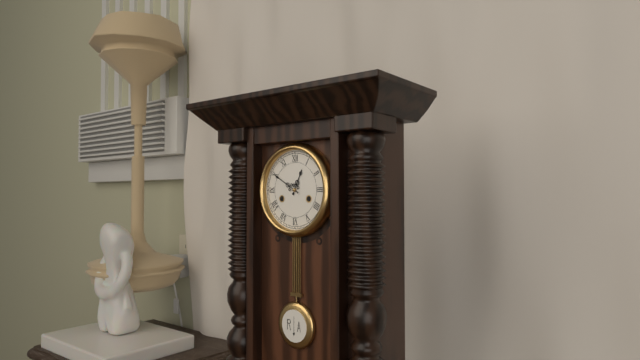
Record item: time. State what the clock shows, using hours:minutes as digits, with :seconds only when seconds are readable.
12:50
